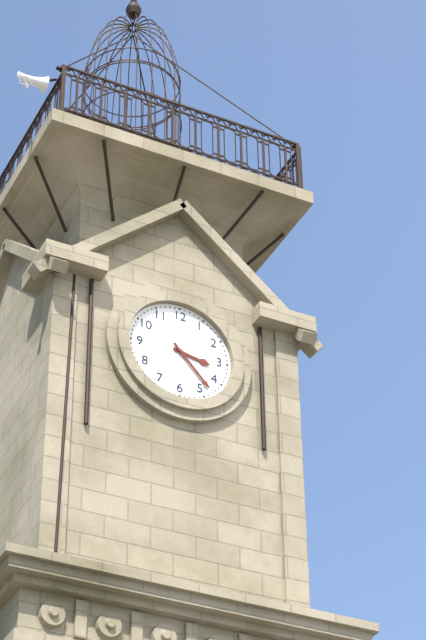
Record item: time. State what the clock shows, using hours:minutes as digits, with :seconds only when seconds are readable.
3:23
